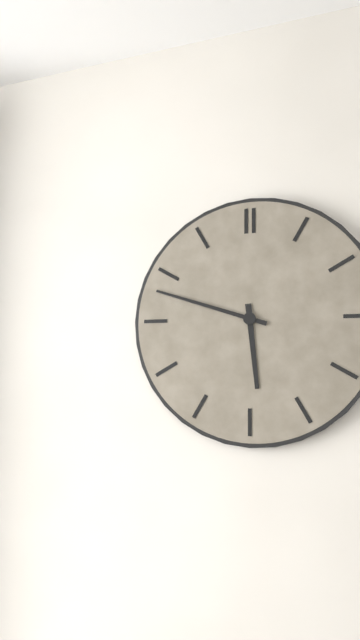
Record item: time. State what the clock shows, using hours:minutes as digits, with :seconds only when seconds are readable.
5:48
